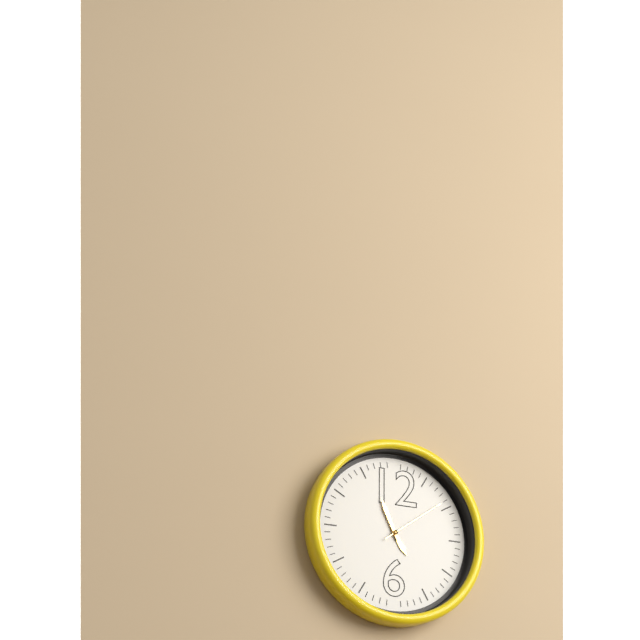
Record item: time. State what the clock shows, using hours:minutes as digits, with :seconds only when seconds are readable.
4:56:09
